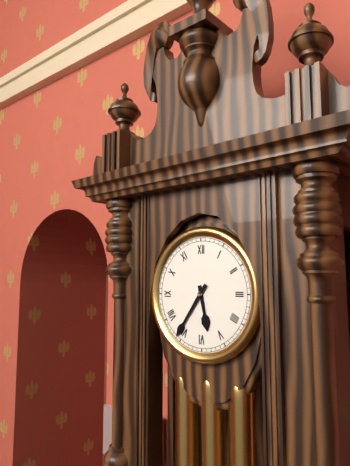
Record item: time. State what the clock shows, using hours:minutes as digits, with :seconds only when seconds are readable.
5:36
